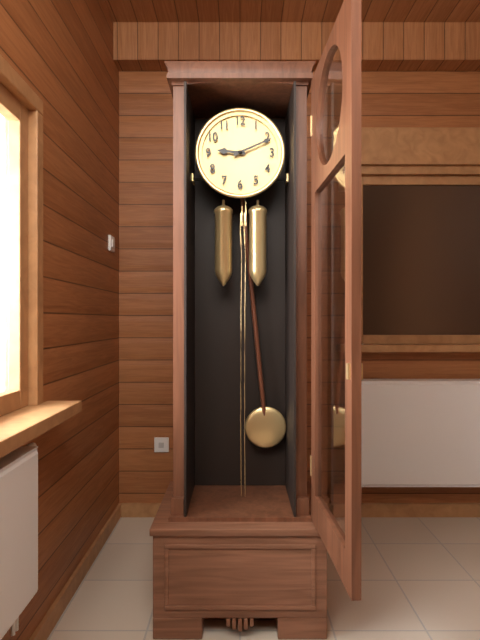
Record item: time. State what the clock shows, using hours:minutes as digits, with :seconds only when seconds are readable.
9:11
